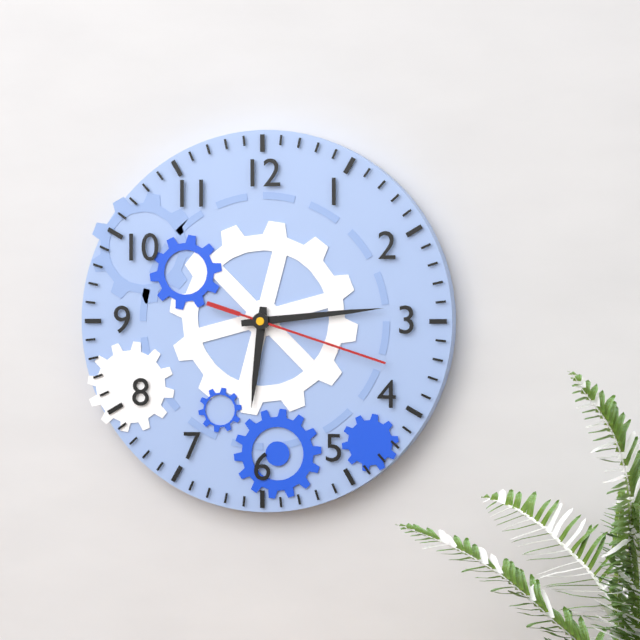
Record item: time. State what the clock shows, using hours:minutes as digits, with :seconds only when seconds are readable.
6:14:18
